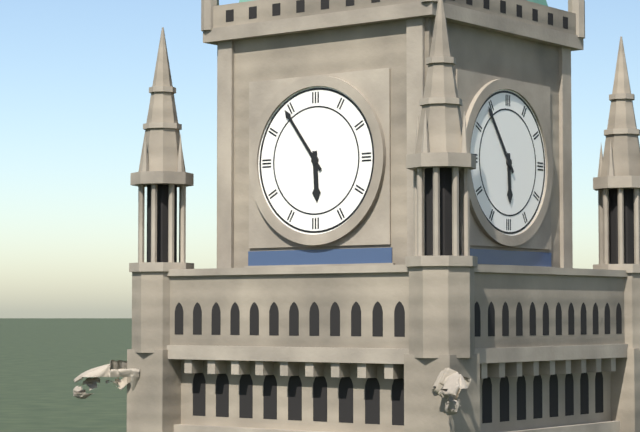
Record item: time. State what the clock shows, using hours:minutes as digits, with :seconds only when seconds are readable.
5:54
